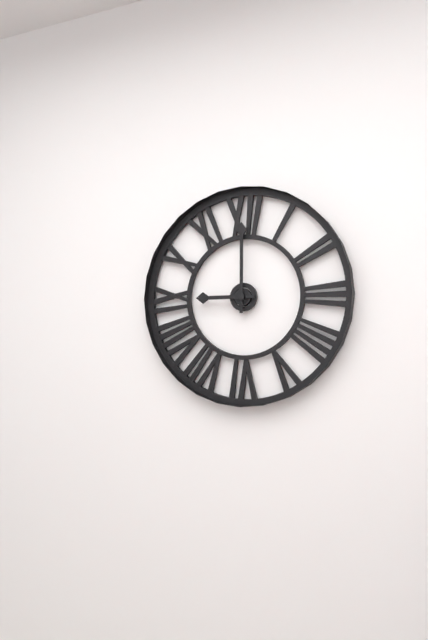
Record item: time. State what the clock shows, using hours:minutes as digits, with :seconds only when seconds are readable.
9:00
